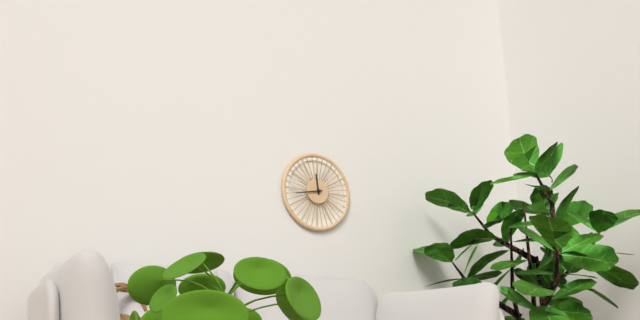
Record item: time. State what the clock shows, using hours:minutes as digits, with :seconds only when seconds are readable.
11:43
